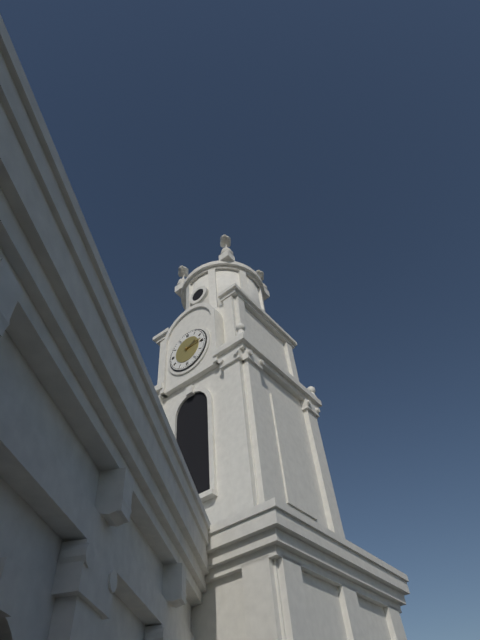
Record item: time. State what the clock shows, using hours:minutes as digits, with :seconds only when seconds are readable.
2:14
